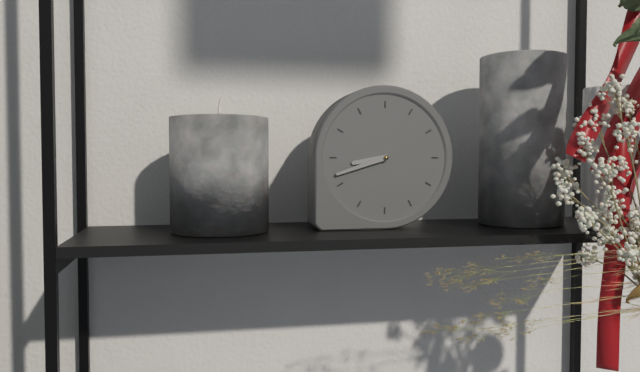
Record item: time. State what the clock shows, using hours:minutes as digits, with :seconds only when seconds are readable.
8:42
